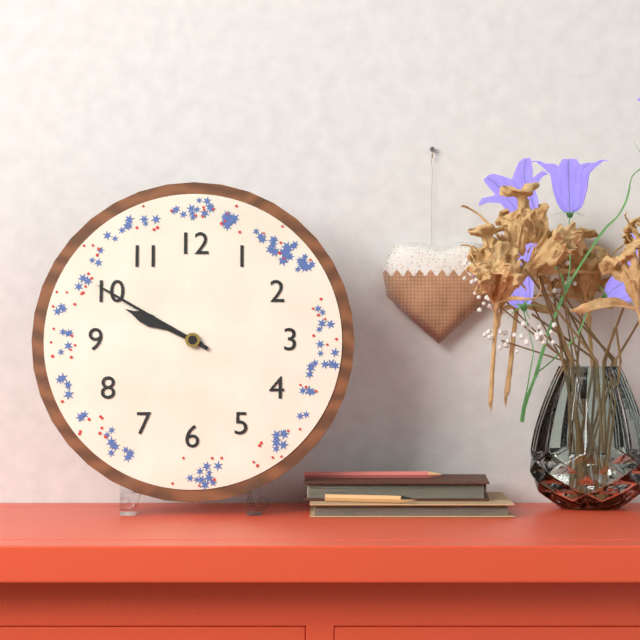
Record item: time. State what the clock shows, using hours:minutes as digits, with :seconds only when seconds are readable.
9:50
